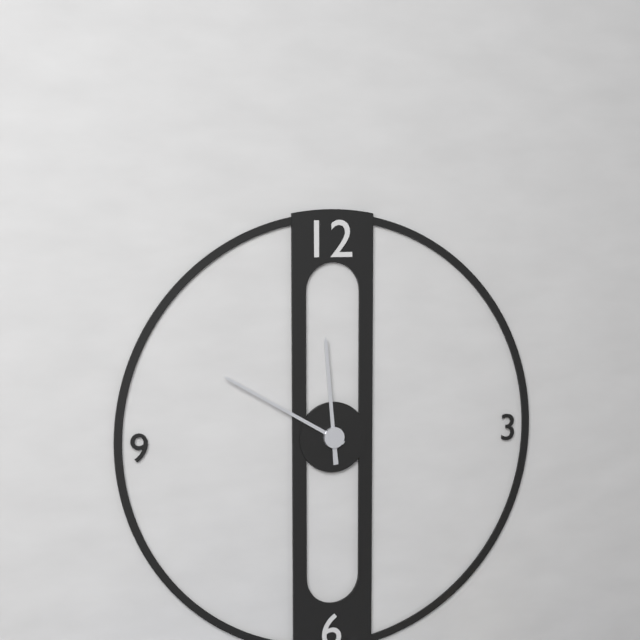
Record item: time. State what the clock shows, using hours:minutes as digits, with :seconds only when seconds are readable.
11:50
